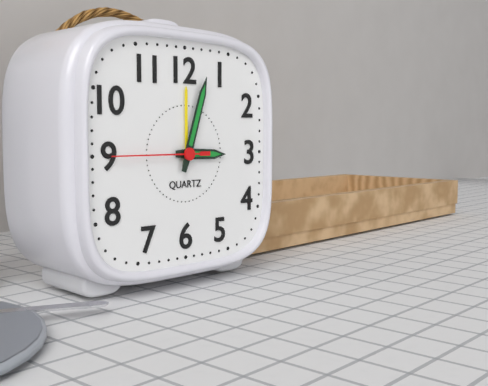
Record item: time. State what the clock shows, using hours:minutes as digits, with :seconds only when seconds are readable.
3:03:45
